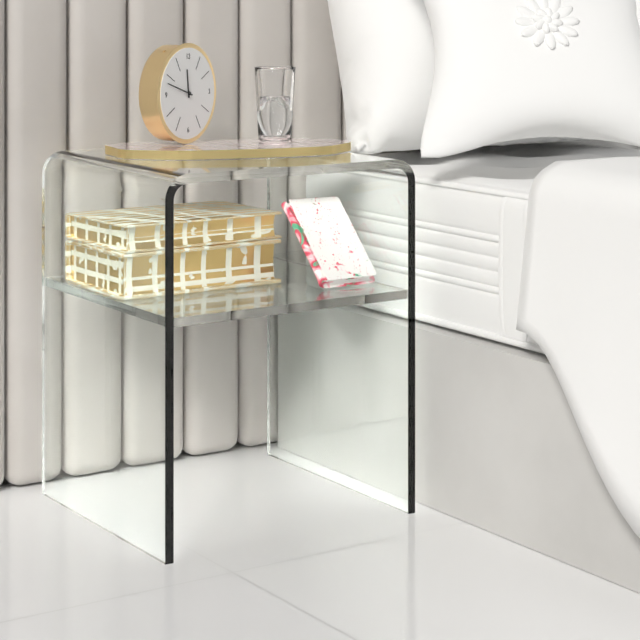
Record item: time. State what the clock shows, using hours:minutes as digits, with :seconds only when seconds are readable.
11:48
